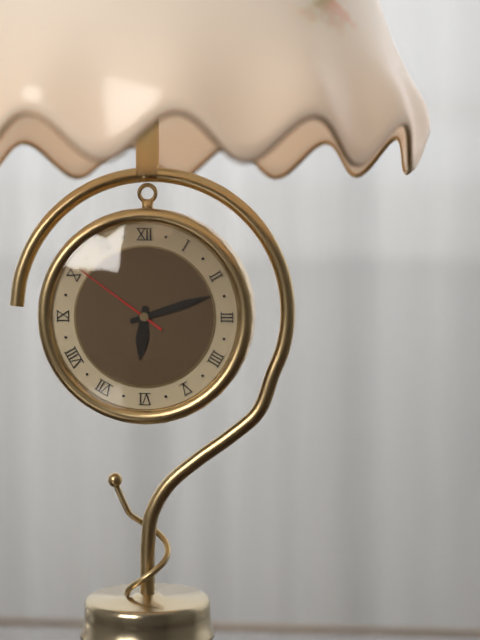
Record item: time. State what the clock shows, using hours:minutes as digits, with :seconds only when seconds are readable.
6:12:51
